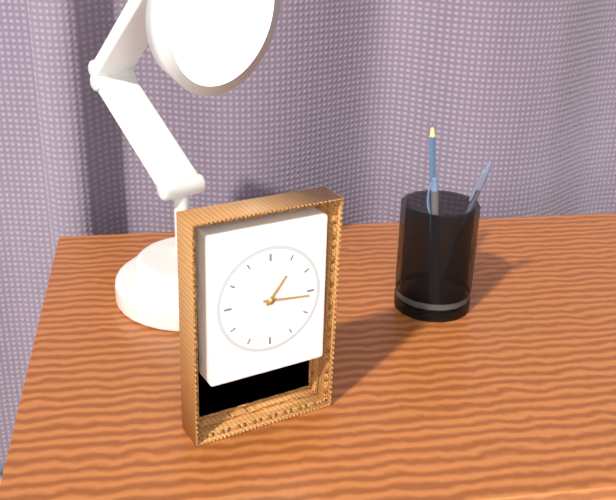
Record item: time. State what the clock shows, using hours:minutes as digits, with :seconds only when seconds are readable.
1:16
